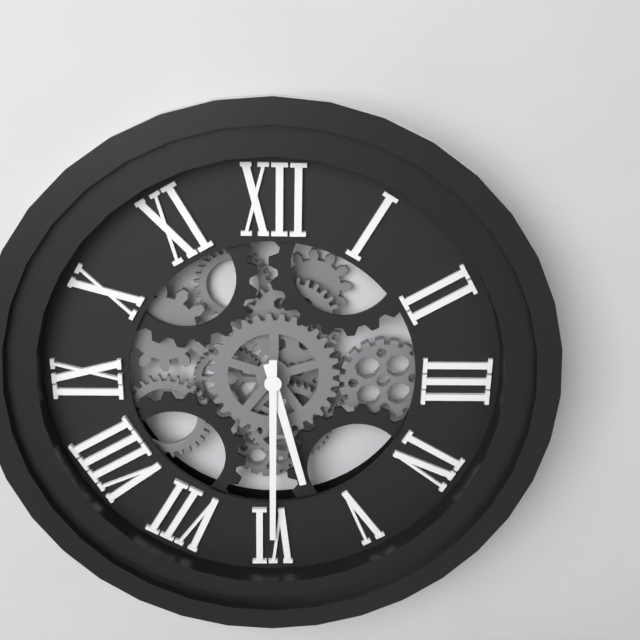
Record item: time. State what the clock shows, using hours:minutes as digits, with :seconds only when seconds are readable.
5:30
